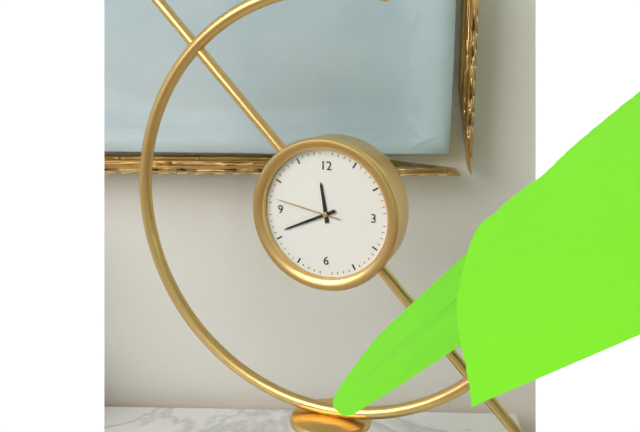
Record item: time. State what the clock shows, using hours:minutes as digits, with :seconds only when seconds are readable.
11:41:47
